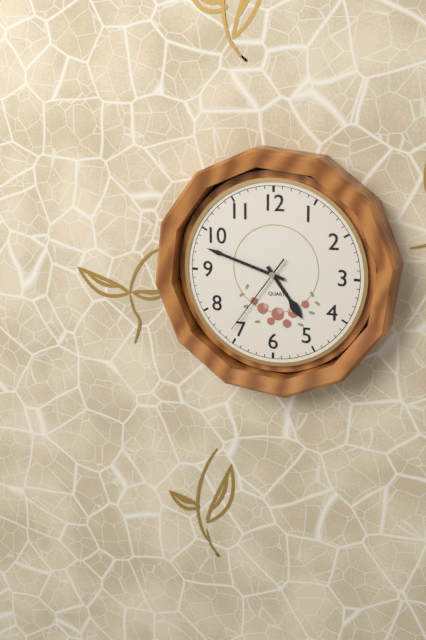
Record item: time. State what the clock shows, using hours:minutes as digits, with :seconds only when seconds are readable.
4:48:36
